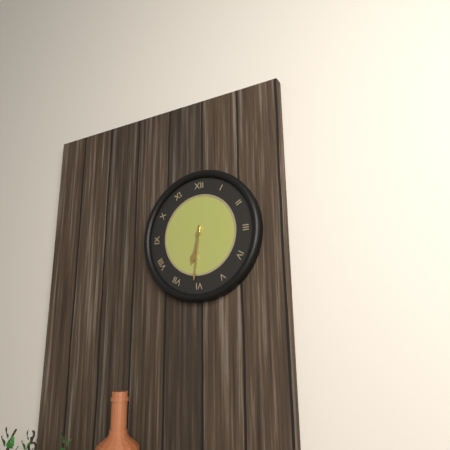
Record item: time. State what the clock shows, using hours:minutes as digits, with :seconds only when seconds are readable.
6:31
